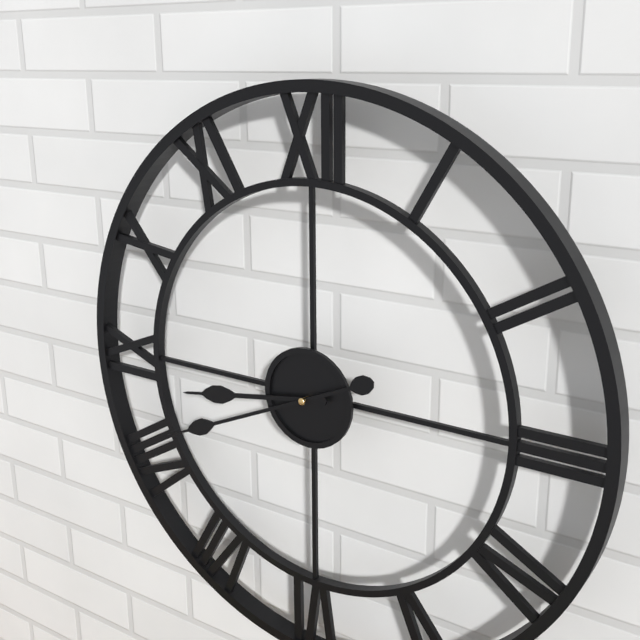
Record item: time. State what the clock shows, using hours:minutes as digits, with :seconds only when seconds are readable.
8:41
